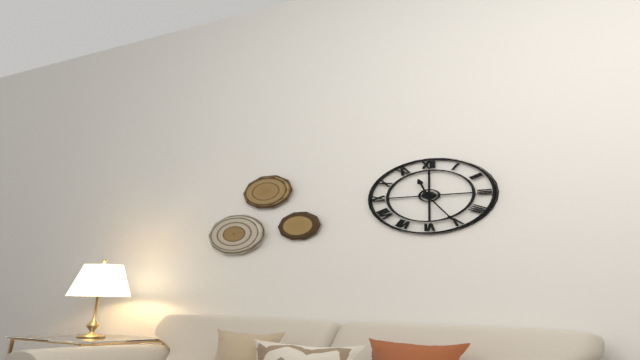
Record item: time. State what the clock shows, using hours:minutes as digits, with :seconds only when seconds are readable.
11:25
